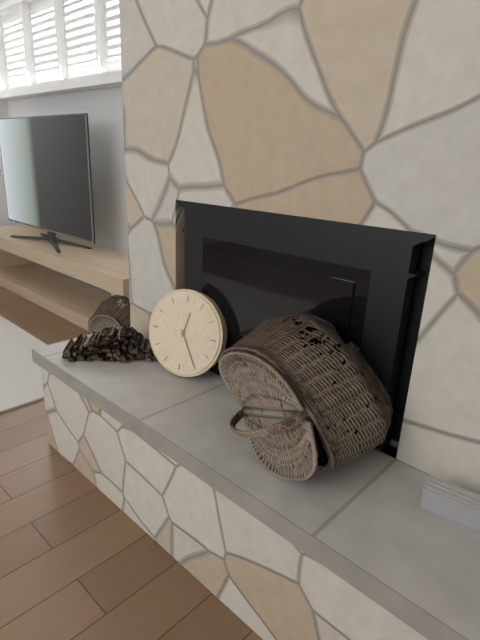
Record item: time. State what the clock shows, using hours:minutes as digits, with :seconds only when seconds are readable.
12:25
